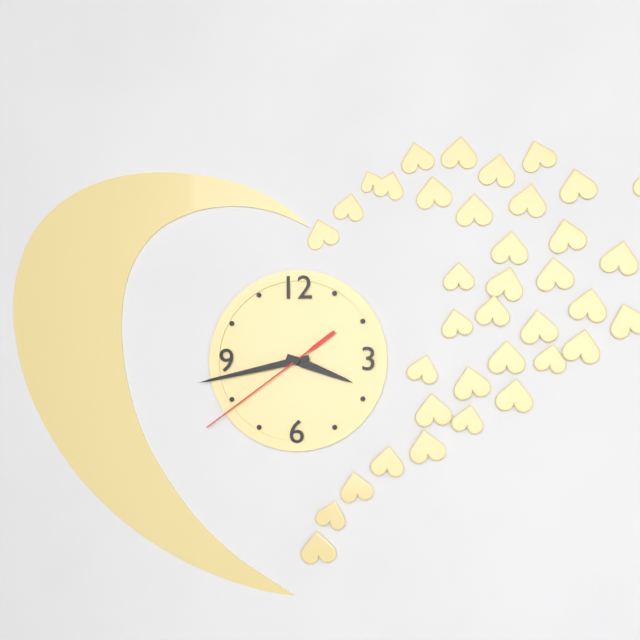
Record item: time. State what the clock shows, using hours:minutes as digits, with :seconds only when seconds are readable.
3:43:39
